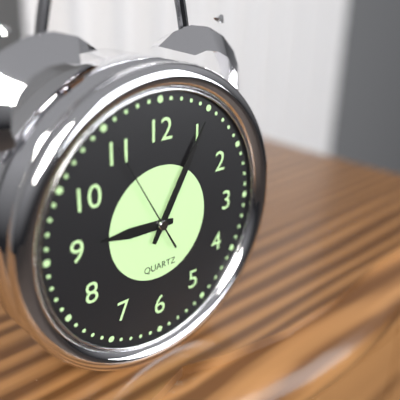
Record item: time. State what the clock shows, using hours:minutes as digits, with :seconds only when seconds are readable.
9:05:55
